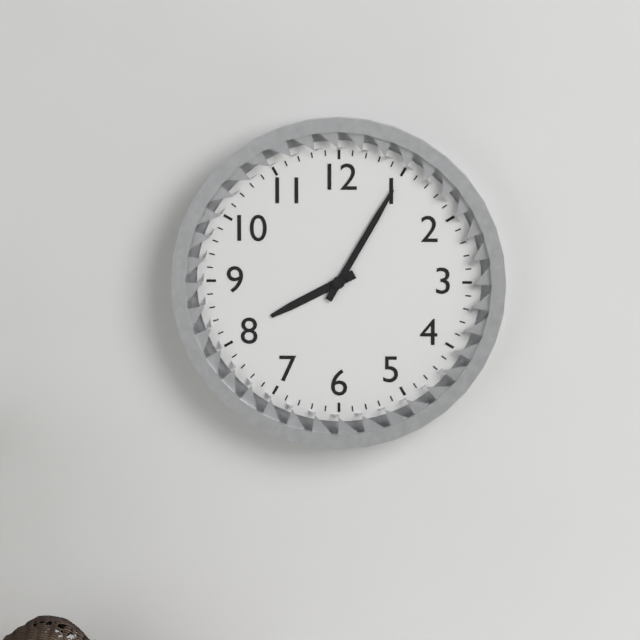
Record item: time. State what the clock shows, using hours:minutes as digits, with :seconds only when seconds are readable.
8:05
